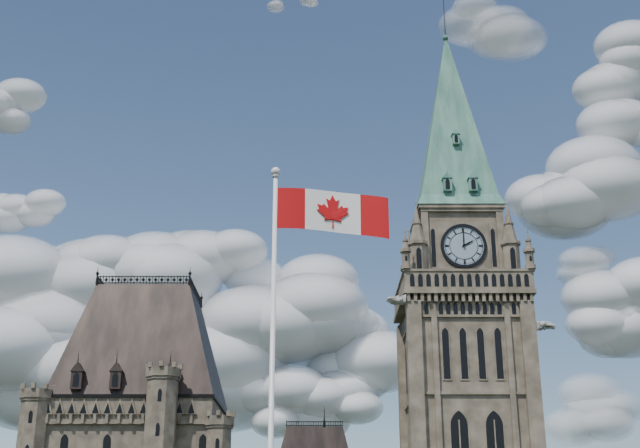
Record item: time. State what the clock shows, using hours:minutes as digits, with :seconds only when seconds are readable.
2:00
